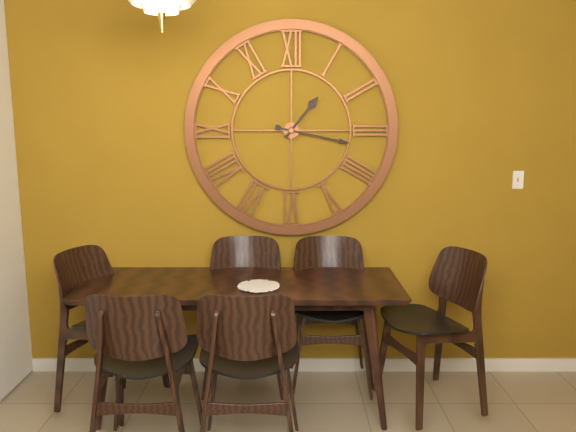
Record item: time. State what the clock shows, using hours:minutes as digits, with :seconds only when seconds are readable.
1:17
